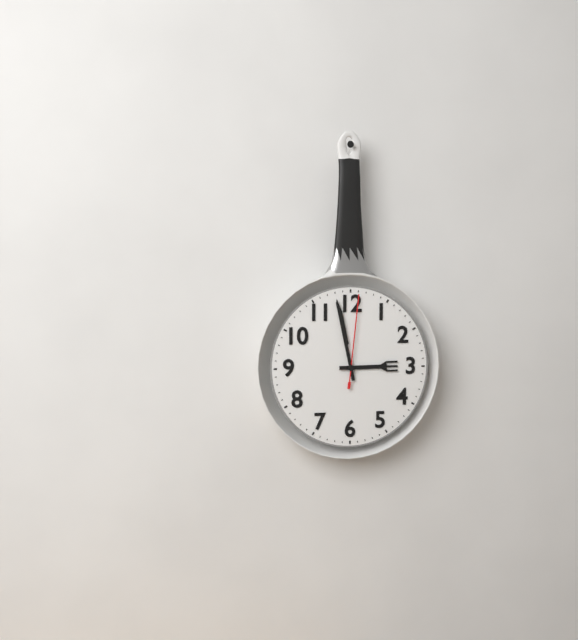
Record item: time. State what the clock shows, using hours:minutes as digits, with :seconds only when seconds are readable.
2:58:01
